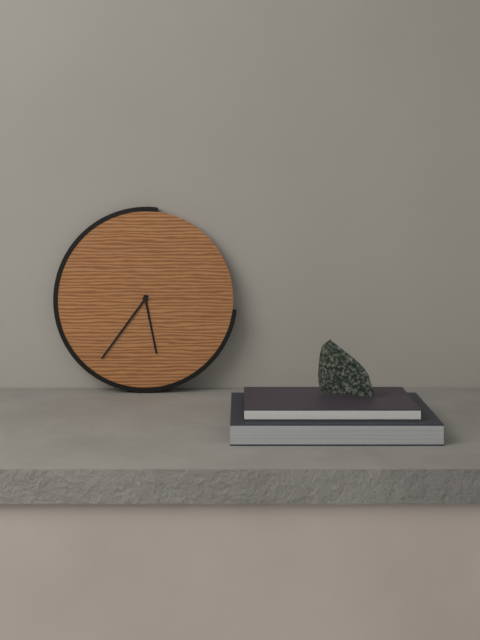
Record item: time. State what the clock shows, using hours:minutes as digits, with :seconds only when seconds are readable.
5:36
